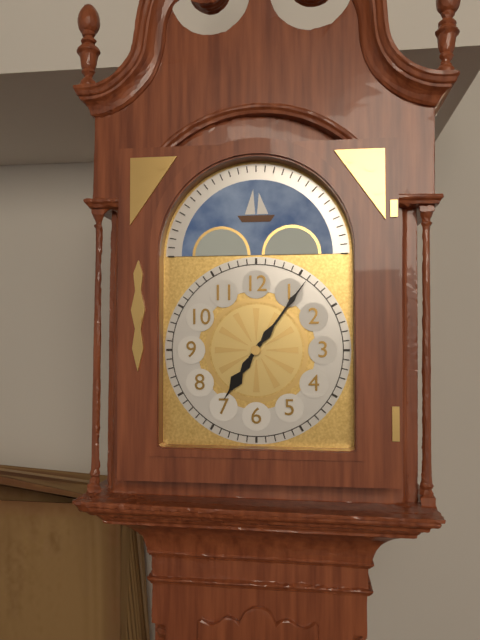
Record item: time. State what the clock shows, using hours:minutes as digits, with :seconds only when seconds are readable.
7:06
